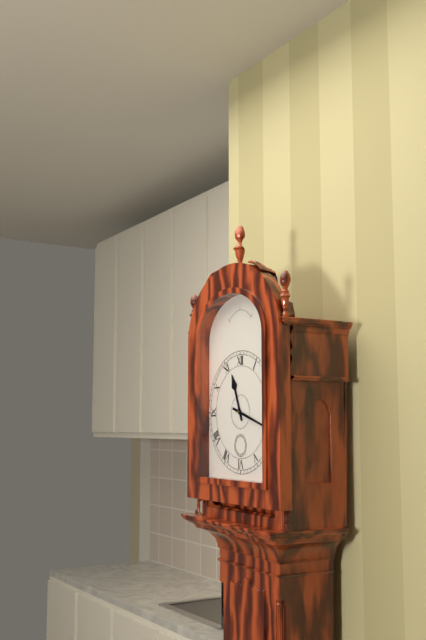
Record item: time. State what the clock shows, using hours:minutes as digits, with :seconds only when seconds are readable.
11:18
